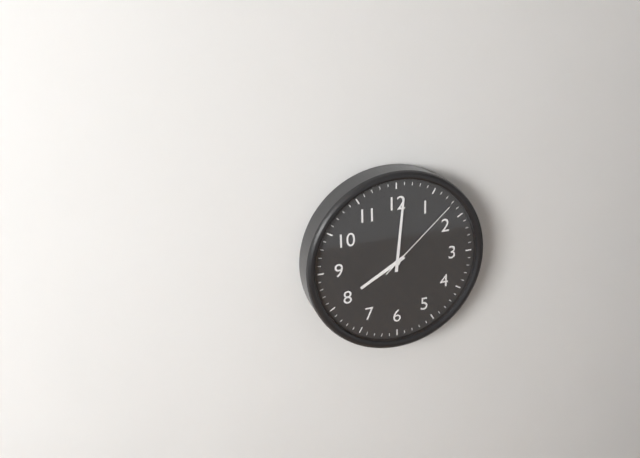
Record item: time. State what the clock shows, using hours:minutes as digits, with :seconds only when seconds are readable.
8:01:08
